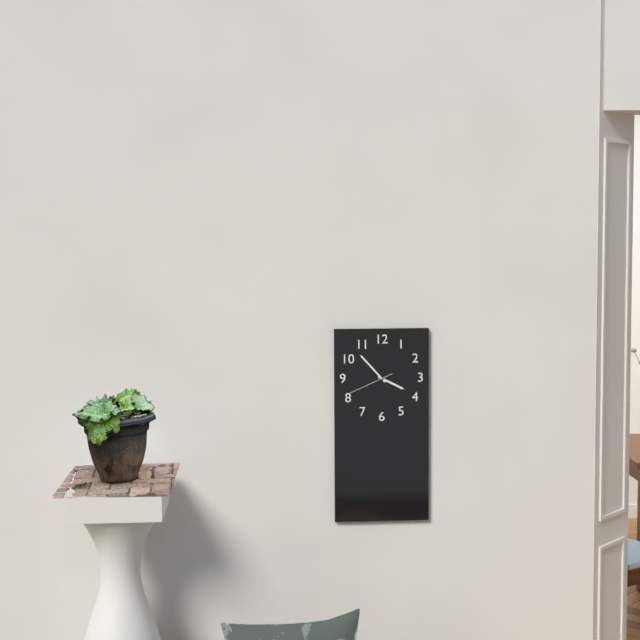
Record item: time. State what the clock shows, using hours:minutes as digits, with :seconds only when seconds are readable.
3:53
